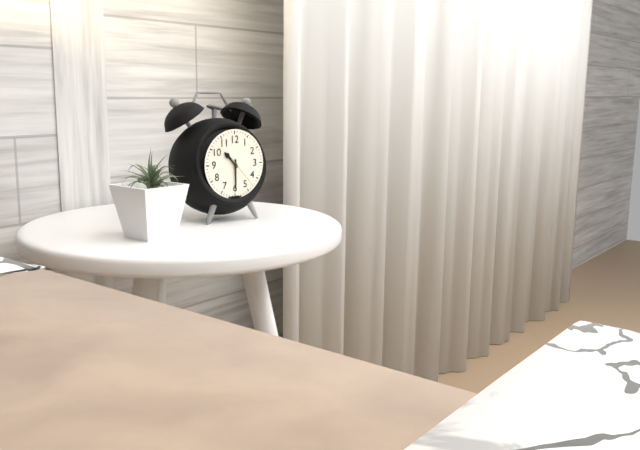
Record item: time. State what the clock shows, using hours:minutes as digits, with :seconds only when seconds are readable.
10:30
